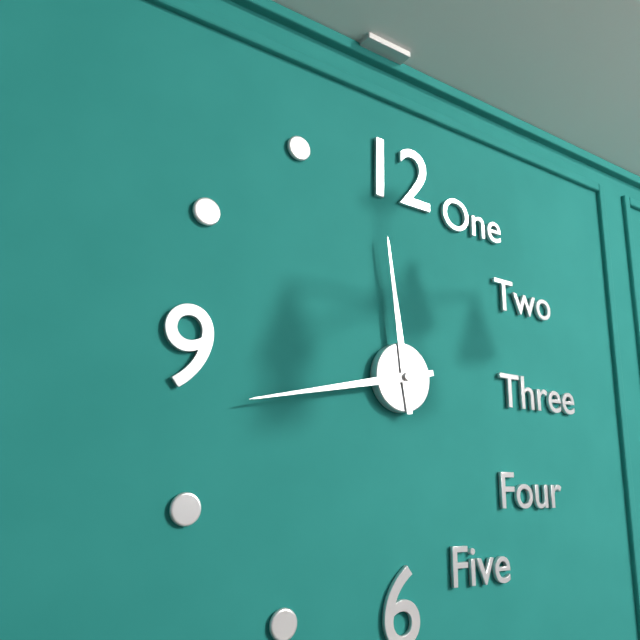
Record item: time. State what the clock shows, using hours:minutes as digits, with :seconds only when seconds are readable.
11:43
